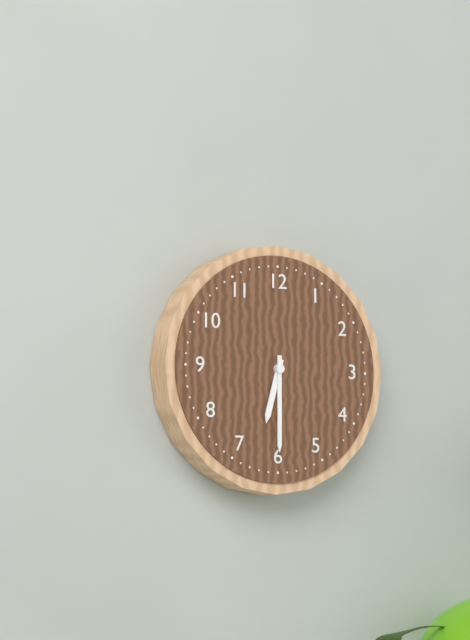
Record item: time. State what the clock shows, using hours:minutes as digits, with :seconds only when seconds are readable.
6:30
